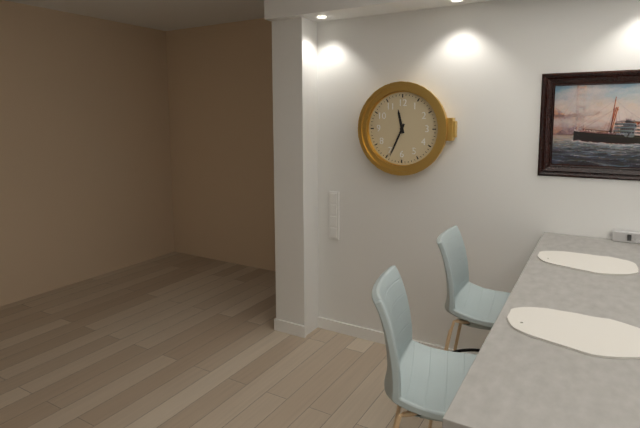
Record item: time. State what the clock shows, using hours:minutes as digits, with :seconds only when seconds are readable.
11:34
